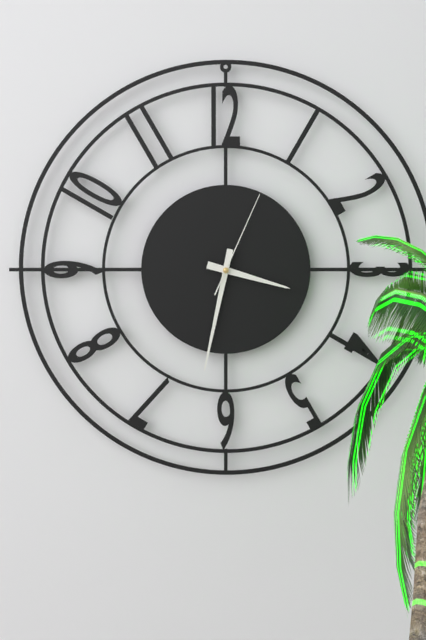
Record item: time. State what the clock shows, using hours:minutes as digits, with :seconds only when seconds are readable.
3:32:04
